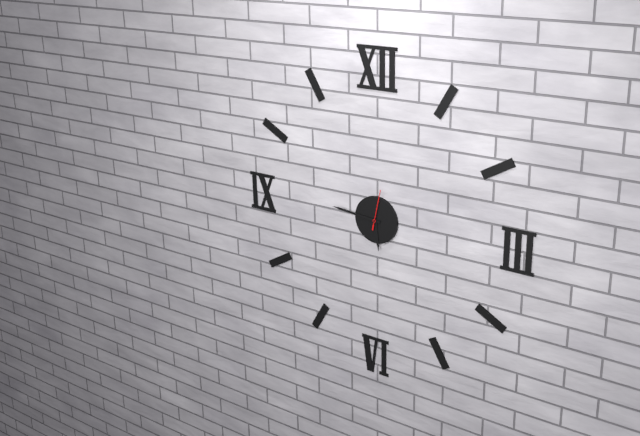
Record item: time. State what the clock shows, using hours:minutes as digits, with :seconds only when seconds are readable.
5:46
